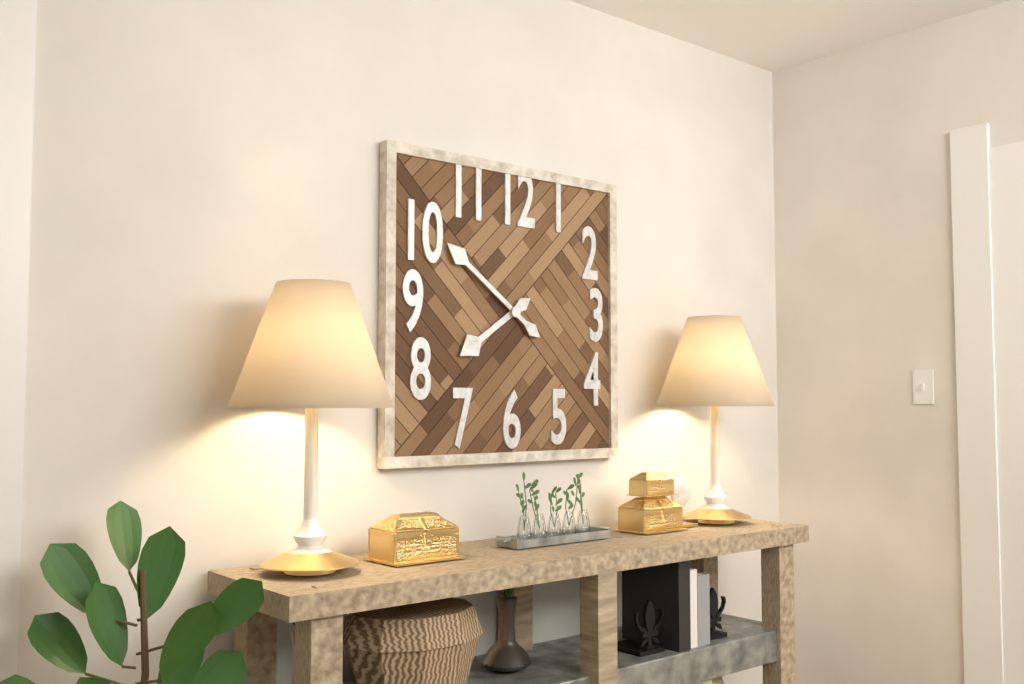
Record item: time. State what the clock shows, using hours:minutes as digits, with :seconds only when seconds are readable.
7:51
